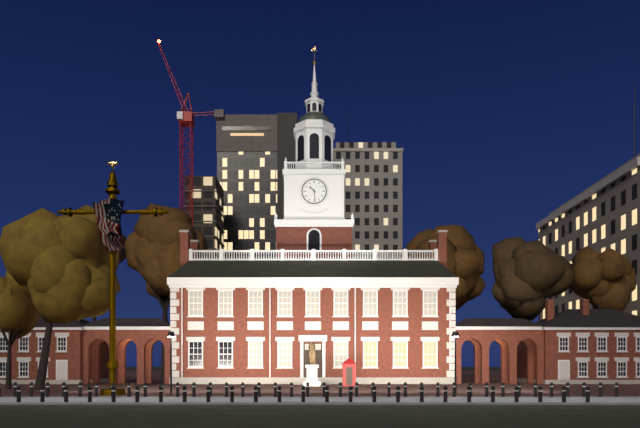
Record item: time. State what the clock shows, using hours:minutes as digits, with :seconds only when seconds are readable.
10:29
